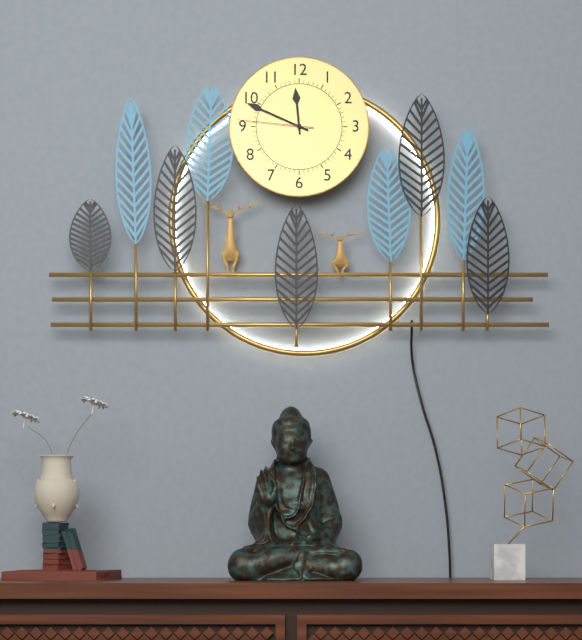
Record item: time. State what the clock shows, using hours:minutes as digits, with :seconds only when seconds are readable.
11:49:46
